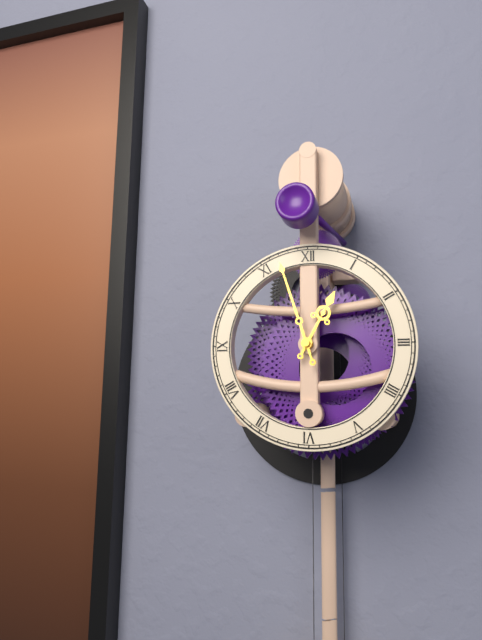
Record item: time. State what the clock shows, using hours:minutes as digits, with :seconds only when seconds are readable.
12:57
